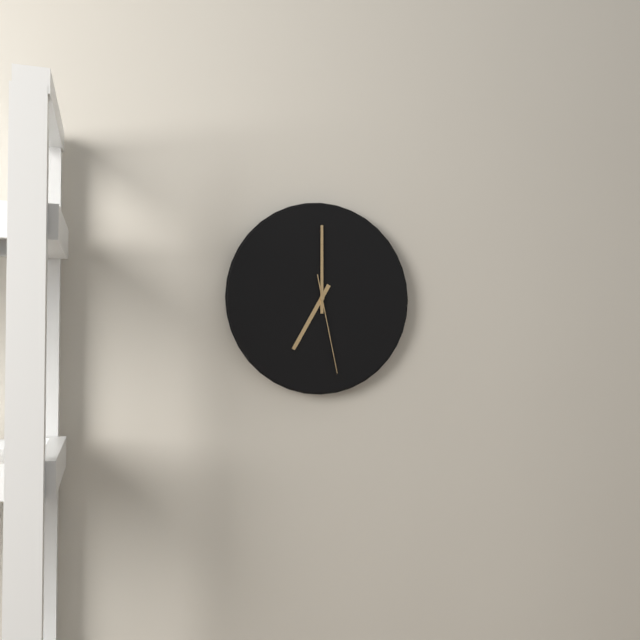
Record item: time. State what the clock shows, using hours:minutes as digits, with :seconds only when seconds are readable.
7:00:28
